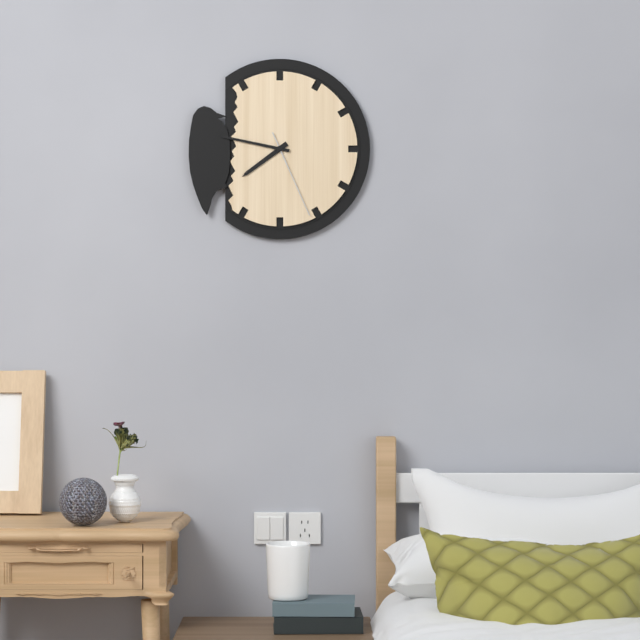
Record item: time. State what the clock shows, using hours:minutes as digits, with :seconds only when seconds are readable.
7:47:26
